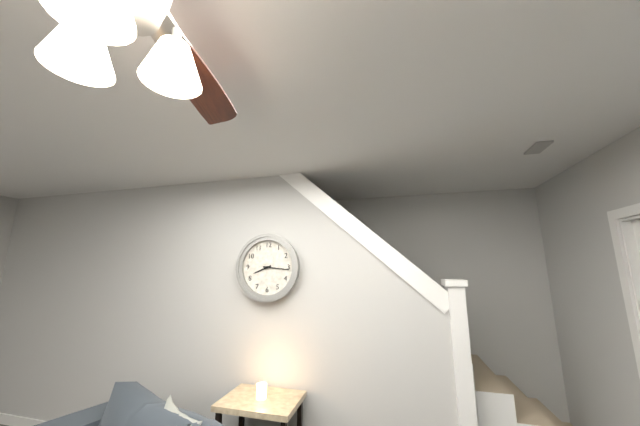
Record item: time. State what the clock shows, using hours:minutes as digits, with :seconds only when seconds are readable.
8:16
